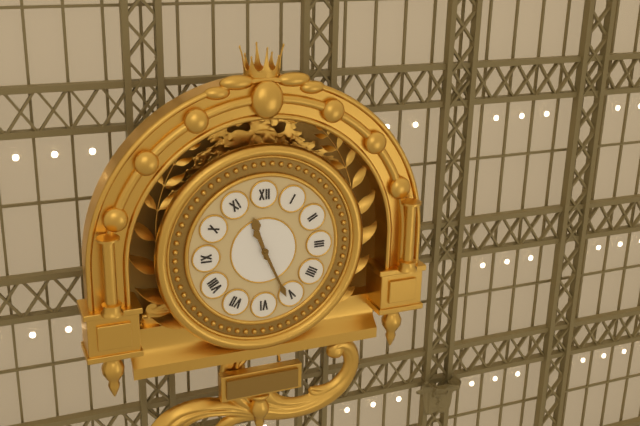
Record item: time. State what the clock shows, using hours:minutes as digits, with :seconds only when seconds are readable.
11:26
